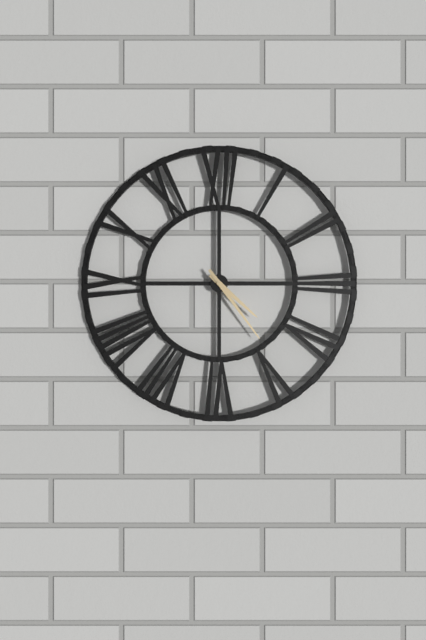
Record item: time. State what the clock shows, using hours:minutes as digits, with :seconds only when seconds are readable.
4:24
